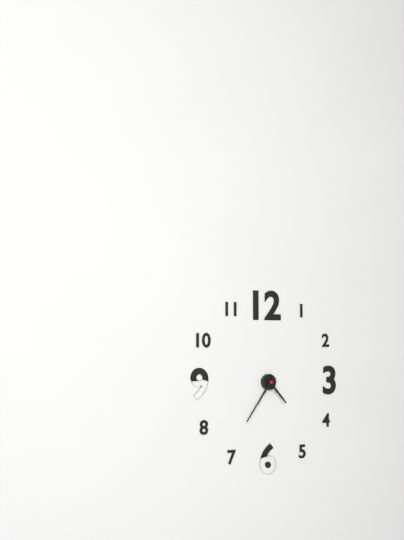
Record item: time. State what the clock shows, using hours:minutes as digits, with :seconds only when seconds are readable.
4:36
